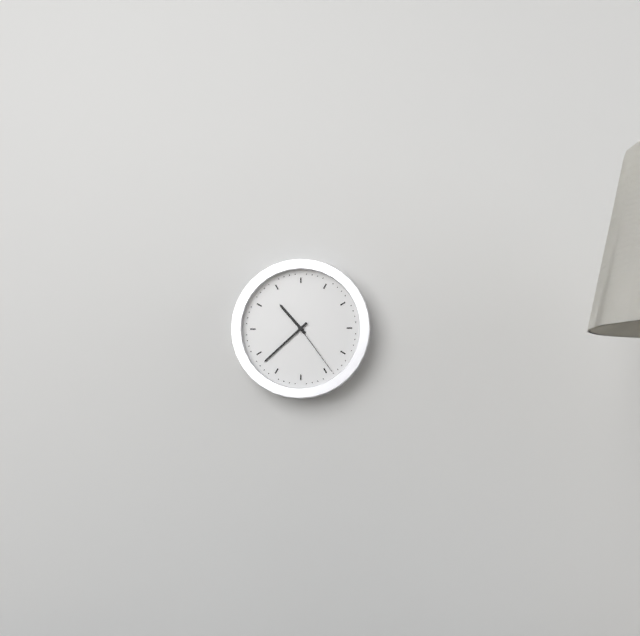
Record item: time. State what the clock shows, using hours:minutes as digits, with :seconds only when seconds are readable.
10:38:24
